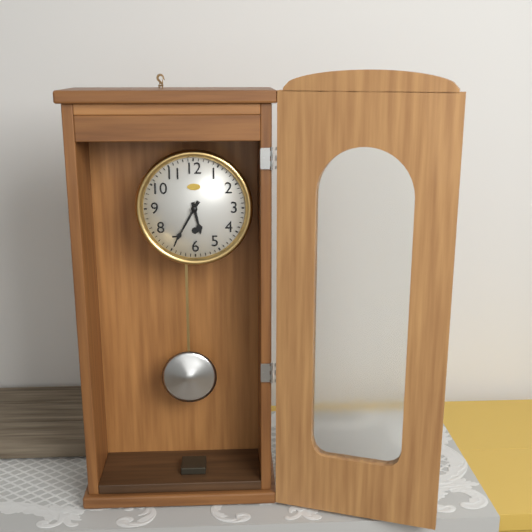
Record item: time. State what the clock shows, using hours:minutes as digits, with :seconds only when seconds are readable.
5:35
